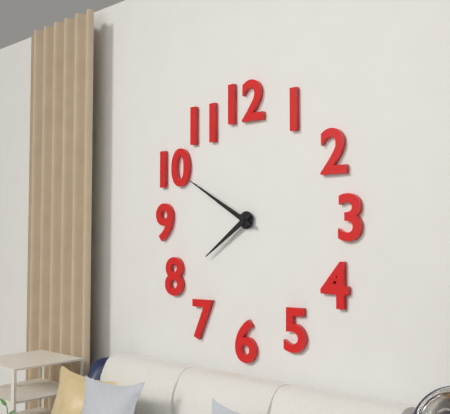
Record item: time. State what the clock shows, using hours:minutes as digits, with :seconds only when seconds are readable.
7:50
